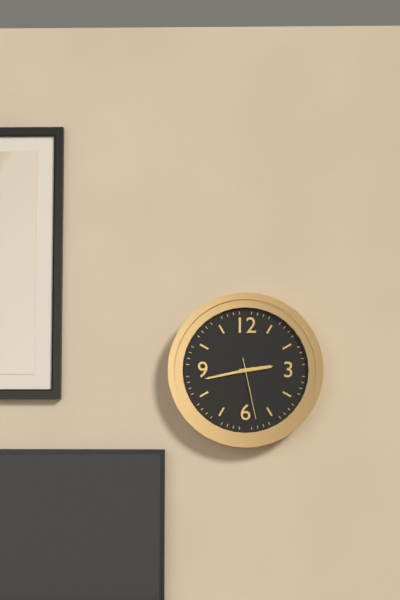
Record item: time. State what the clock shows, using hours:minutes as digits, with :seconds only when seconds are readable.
2:43:28
